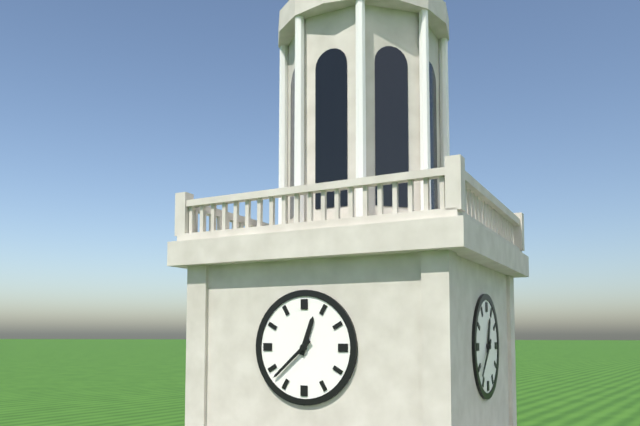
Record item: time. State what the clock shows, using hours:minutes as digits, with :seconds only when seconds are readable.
12:38
